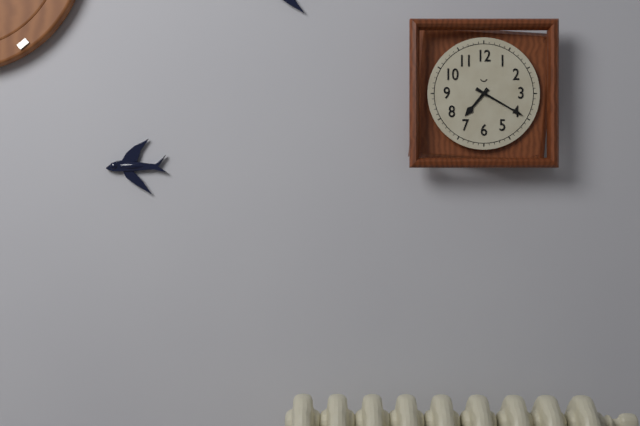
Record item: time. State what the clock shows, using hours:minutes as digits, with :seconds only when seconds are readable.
7:20
